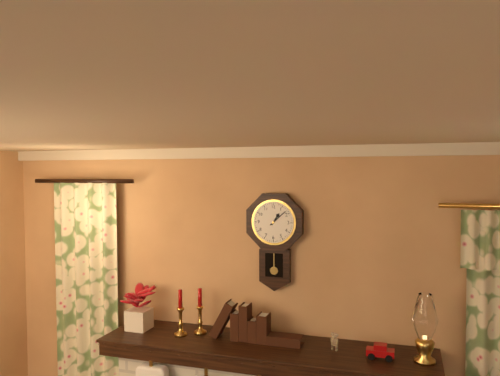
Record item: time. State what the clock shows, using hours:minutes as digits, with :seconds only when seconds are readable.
1:08
